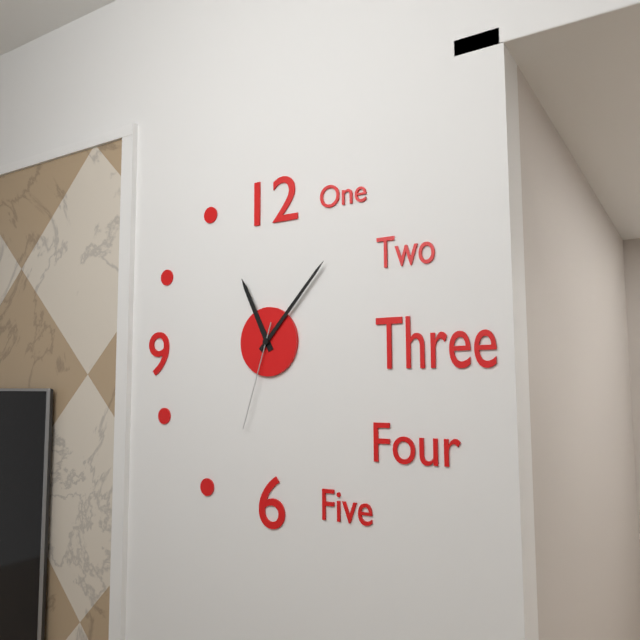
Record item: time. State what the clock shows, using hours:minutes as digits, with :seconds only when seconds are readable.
11:07:33
